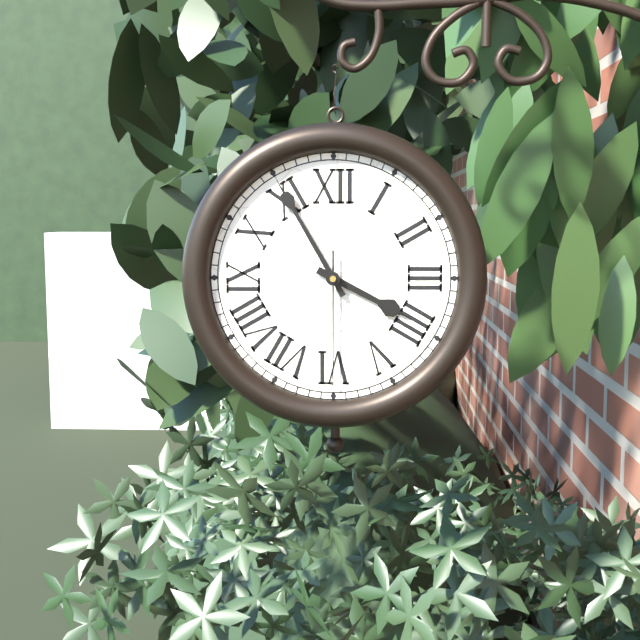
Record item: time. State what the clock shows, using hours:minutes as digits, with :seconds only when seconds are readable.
3:55:30
